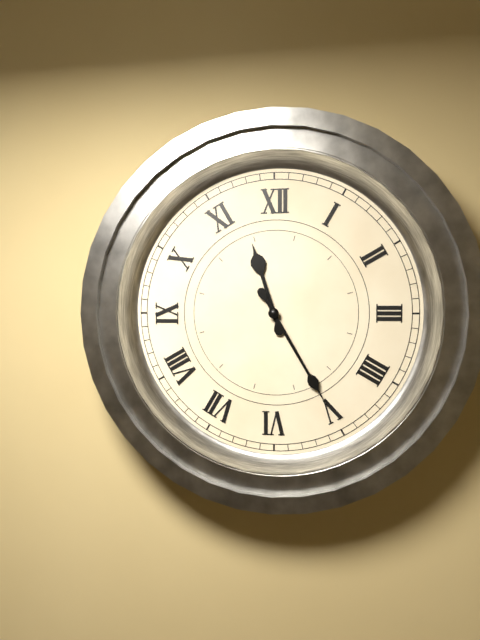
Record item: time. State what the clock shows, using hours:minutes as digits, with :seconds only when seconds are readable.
11:25
